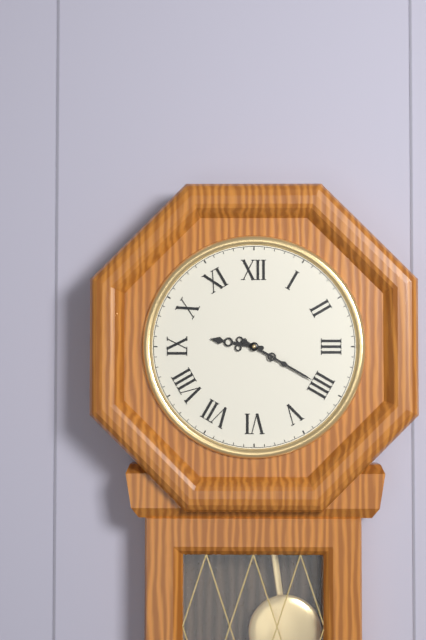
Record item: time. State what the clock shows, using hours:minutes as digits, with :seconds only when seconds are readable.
9:20
